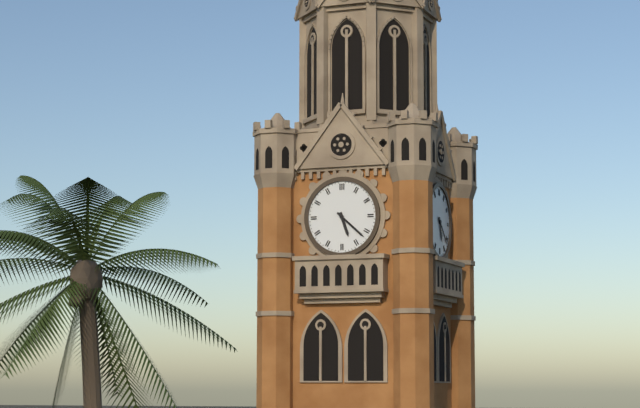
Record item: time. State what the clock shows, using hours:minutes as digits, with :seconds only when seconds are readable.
5:22
